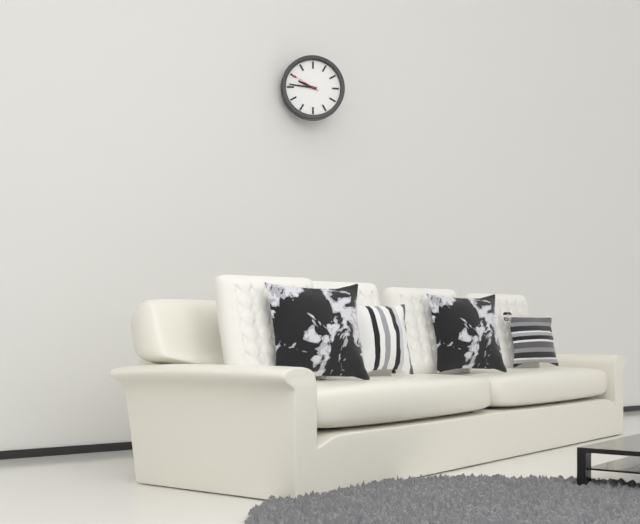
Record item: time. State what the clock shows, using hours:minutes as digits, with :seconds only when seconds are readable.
9:46
